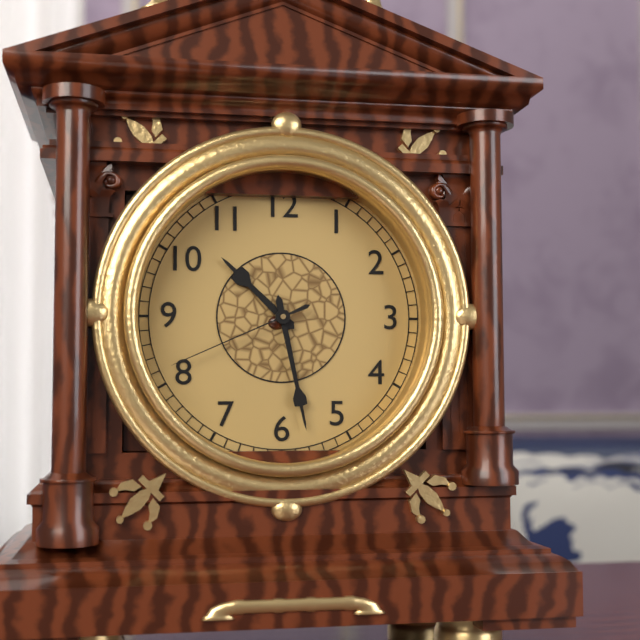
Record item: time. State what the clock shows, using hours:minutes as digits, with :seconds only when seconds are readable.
10:28:41
